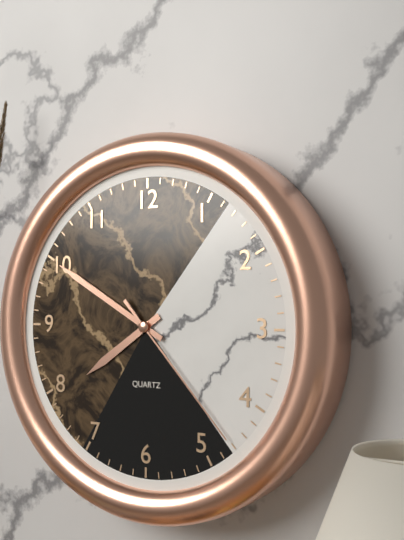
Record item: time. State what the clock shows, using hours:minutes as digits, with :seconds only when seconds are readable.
7:50:23
